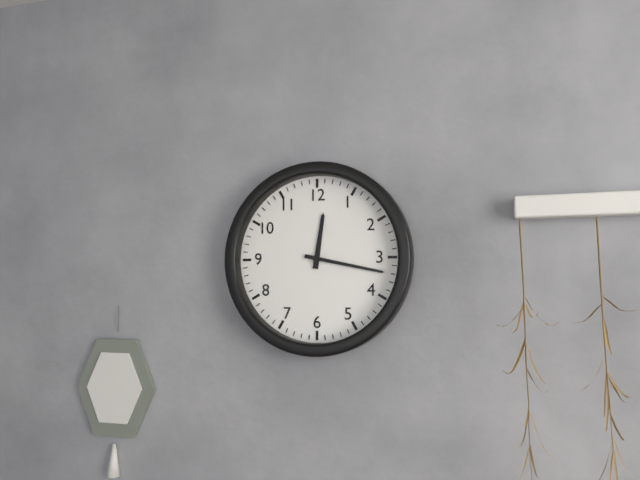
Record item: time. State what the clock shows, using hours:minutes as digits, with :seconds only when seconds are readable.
12:17
